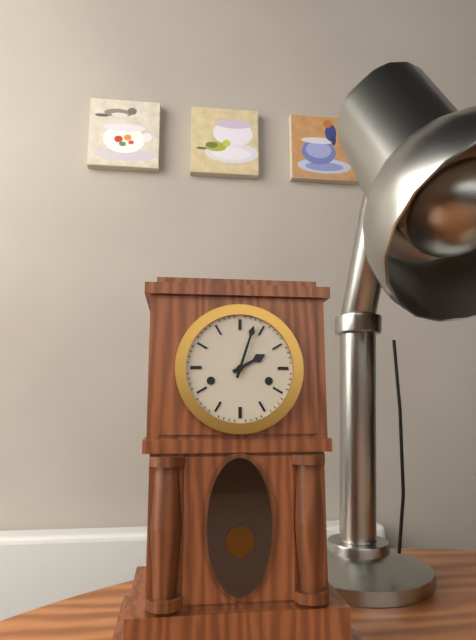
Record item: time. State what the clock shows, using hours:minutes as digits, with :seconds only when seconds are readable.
2:03
